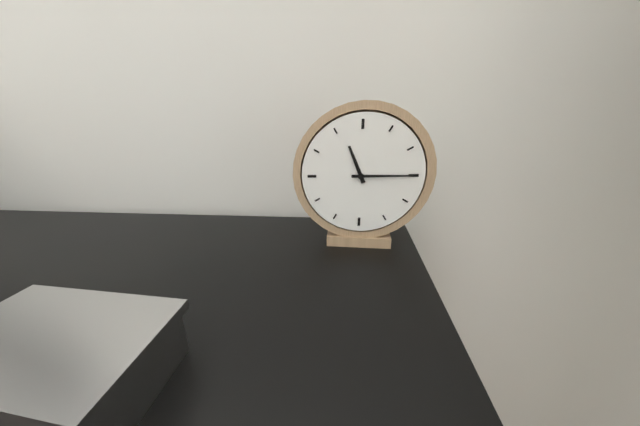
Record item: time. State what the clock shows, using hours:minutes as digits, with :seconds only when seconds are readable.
11:15
